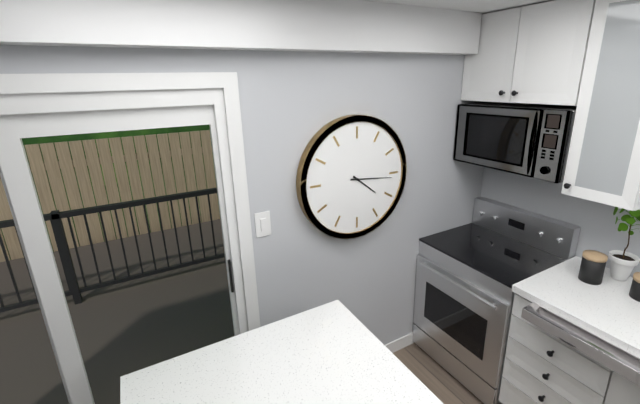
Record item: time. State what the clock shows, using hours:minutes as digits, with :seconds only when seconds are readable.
4:16
